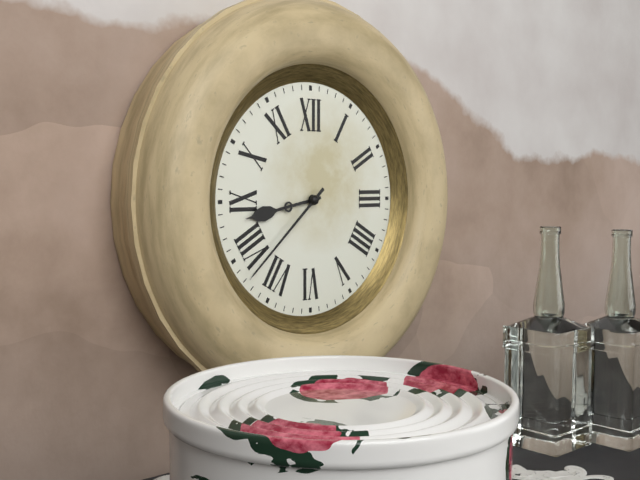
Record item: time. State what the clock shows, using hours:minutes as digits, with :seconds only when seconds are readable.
8:38
